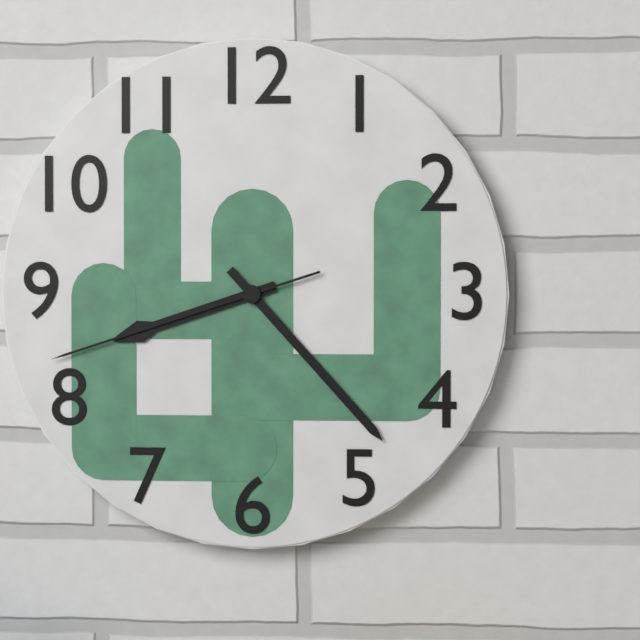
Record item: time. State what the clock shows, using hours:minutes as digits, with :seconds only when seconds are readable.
8:23:42
